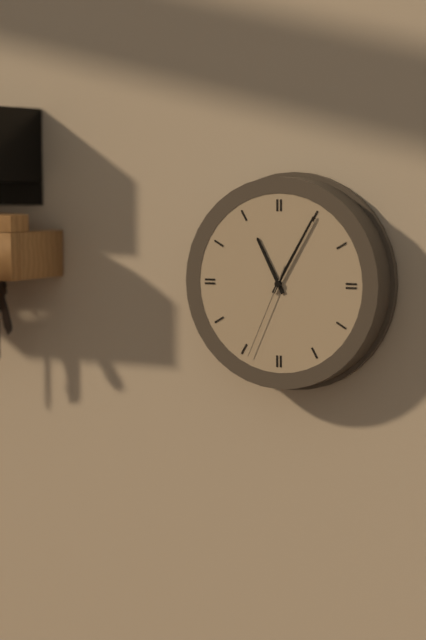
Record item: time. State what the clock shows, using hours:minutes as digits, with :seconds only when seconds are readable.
11:05:34
